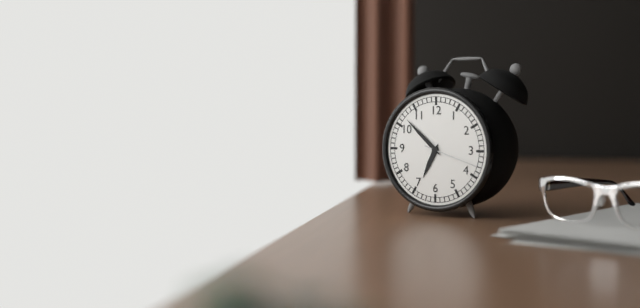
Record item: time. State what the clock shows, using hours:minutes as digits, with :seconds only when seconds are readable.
6:52:18
